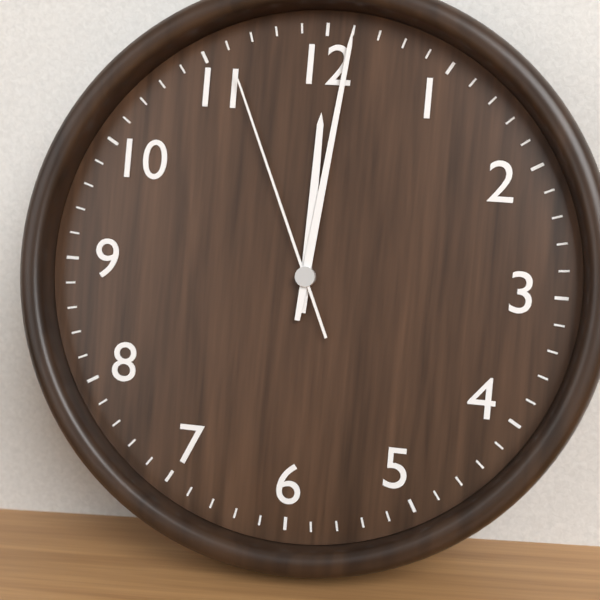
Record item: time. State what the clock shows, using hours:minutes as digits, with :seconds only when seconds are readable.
12:01:56
